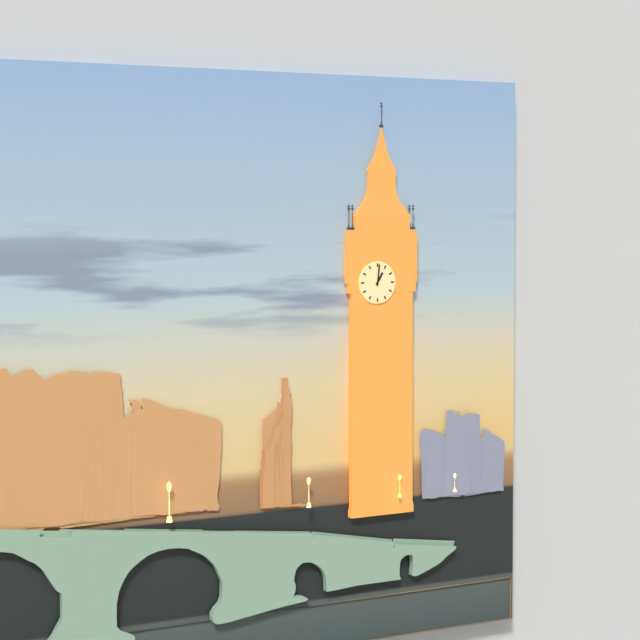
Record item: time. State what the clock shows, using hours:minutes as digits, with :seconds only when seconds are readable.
1:01
